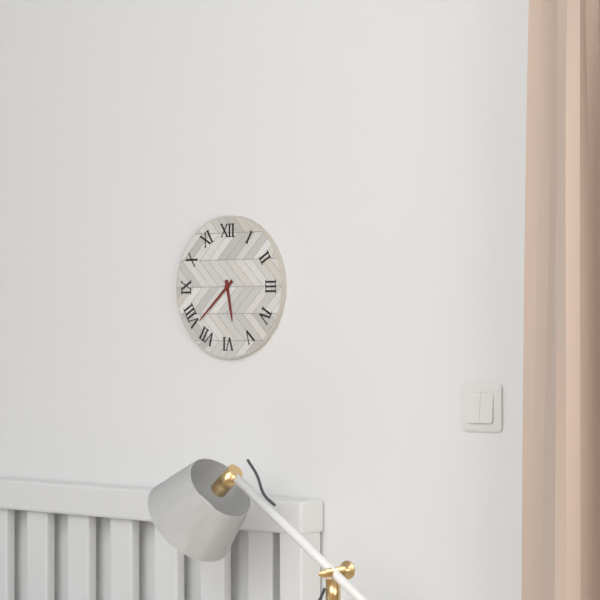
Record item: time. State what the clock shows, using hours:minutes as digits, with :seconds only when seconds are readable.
5:38
